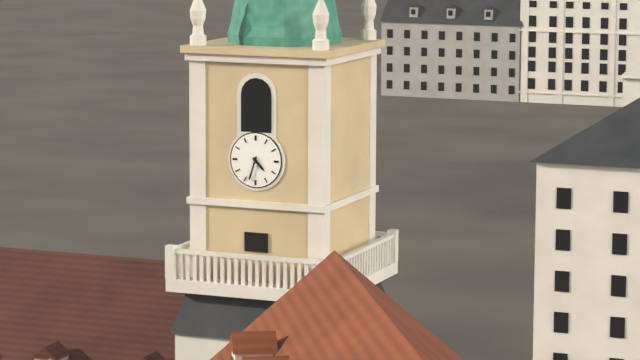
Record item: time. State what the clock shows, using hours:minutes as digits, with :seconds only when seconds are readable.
4:33
